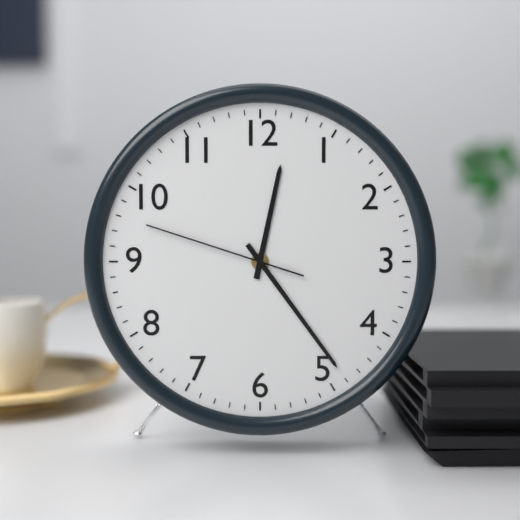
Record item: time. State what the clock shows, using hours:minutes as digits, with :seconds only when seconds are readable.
12:24:48
